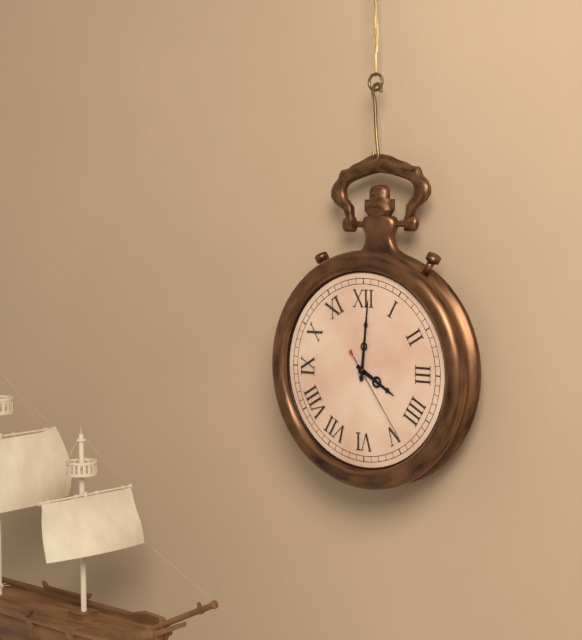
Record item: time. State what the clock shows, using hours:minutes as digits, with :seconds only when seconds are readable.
4:01:24
